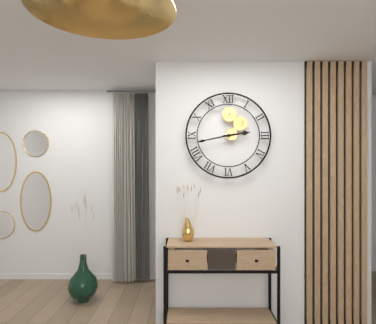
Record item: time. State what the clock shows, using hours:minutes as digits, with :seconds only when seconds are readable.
2:43
